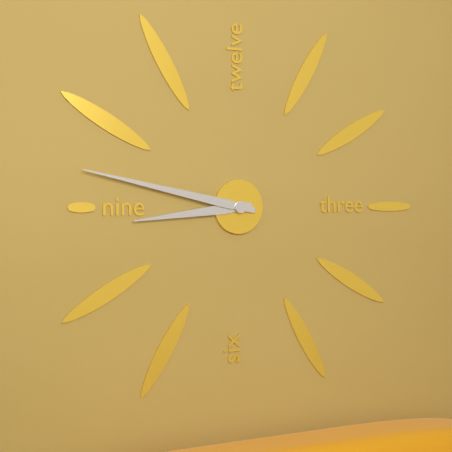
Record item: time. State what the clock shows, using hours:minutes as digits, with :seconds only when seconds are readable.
8:47
